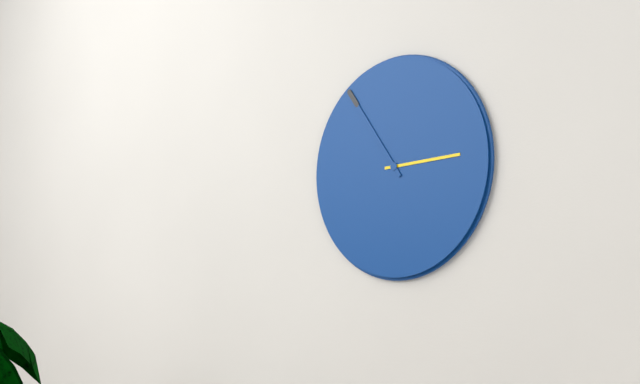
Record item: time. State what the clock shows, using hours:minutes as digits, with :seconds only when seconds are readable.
2:54
